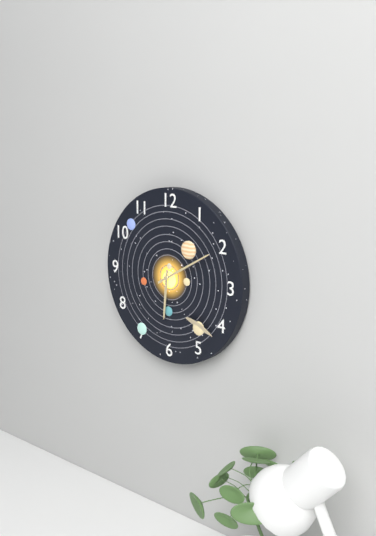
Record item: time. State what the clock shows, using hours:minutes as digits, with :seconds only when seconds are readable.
6:10
